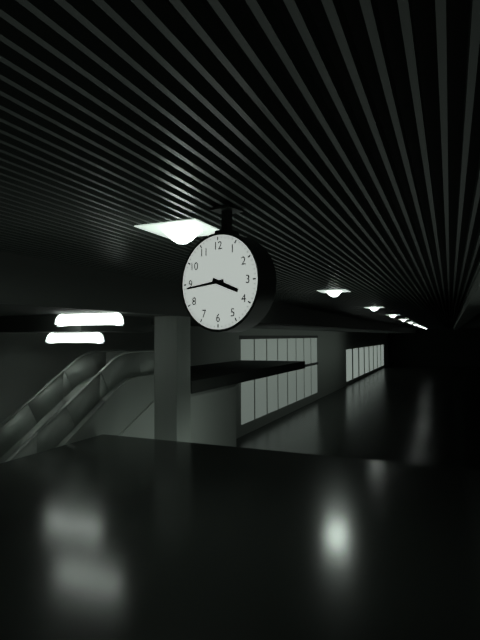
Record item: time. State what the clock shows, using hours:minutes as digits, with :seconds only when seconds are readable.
3:44
